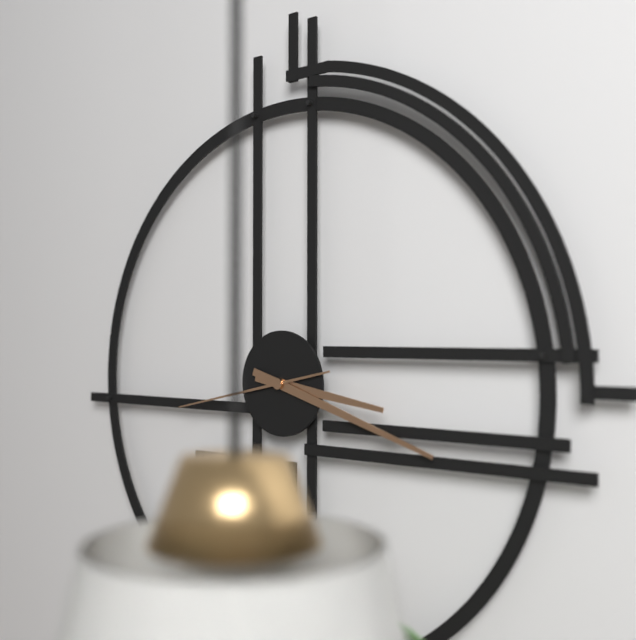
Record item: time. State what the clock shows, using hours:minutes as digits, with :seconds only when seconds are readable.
3:18:43
